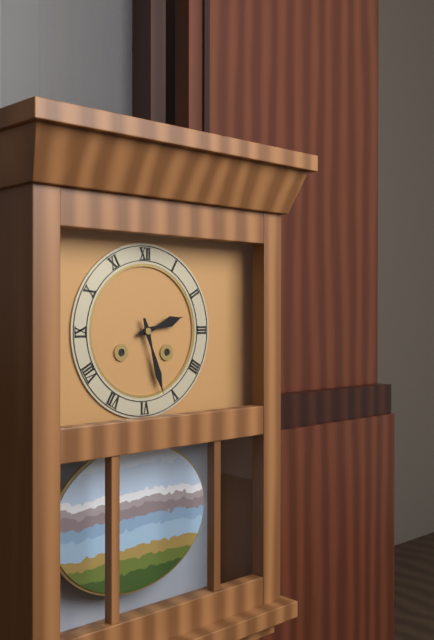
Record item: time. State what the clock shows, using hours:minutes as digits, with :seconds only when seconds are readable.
2:27
